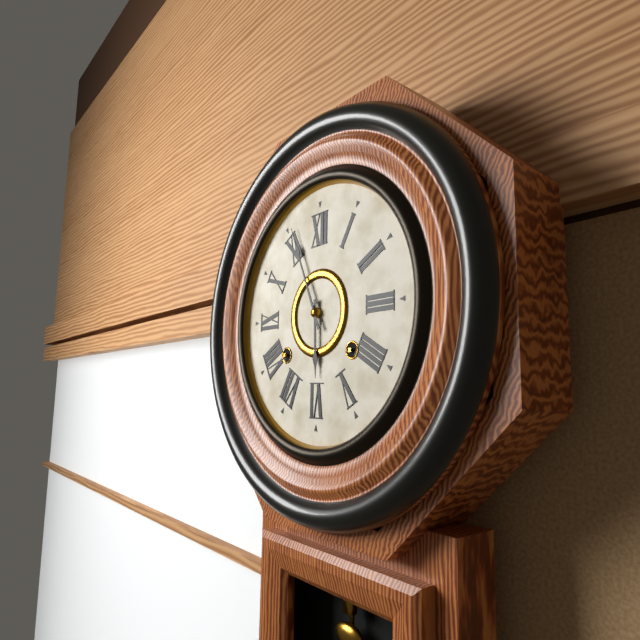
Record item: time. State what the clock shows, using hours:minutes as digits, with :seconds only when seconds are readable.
5:56
